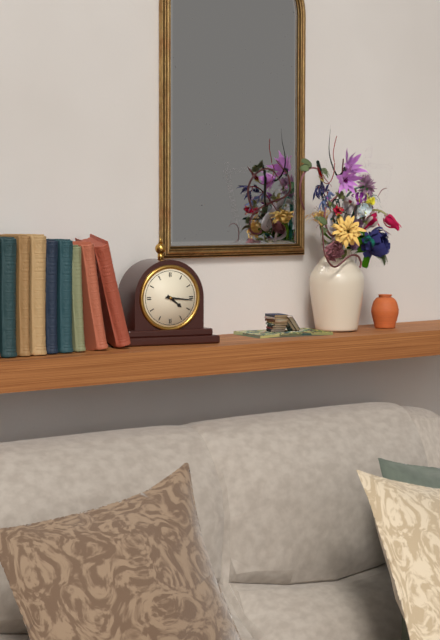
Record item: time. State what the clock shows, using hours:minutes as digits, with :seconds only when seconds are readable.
4:16
